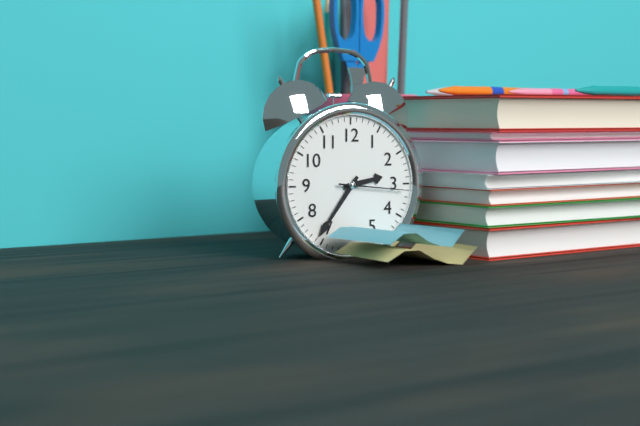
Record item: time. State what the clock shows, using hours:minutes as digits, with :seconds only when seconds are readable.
2:36:16
